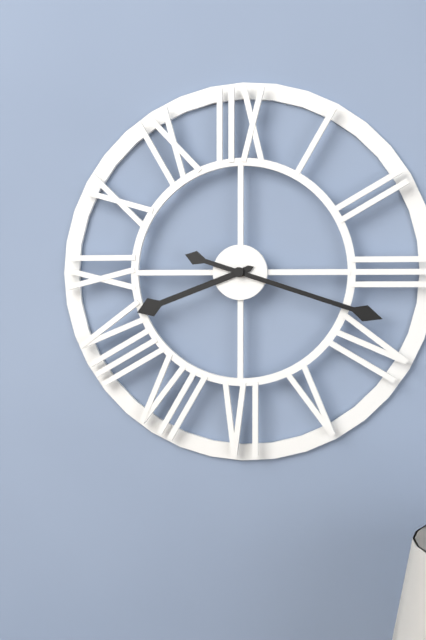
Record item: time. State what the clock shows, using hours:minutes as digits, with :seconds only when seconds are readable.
8:18
